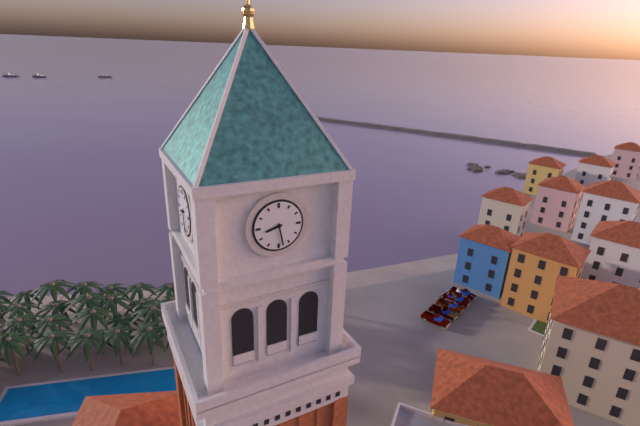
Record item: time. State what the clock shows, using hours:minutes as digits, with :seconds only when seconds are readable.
8:28
